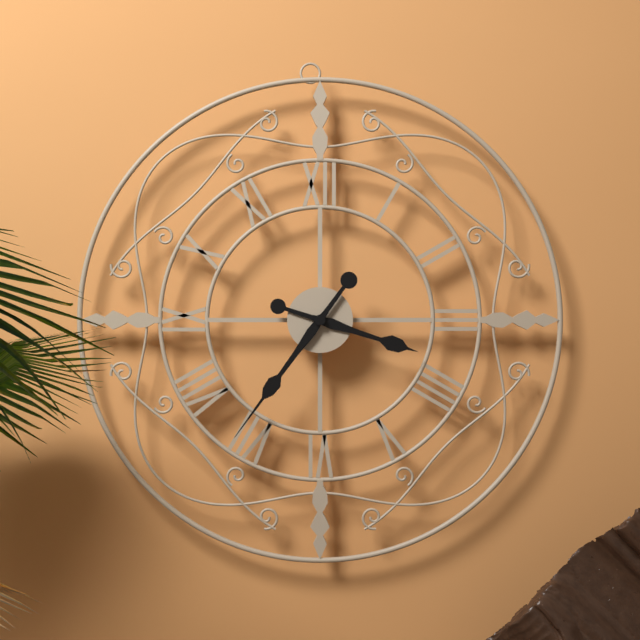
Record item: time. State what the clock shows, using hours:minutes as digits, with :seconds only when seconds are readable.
3:36
